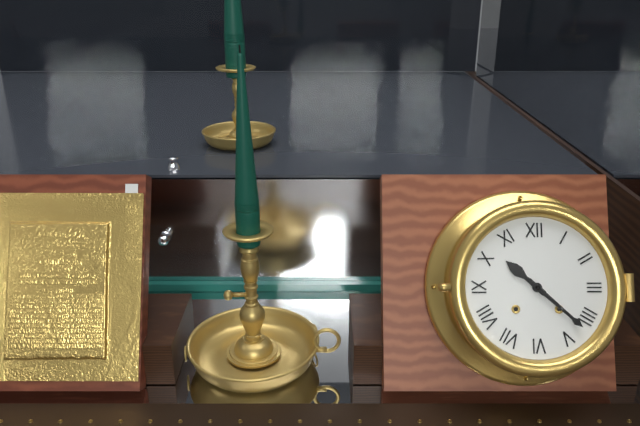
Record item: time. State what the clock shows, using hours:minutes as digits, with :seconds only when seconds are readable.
10:22
